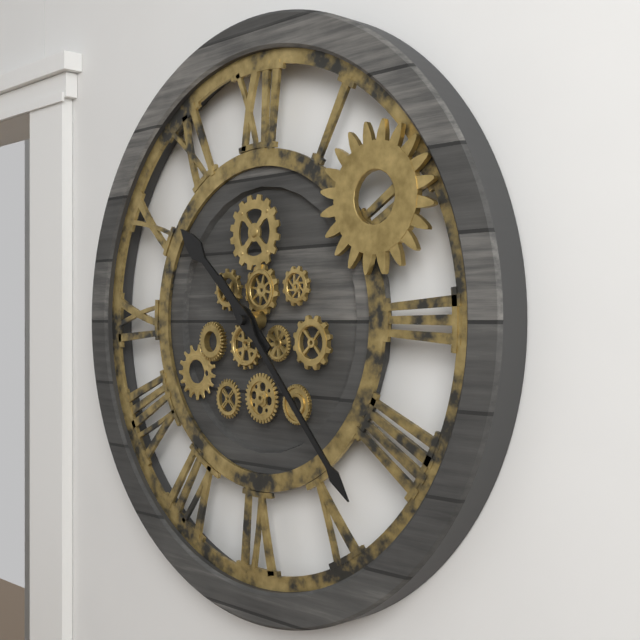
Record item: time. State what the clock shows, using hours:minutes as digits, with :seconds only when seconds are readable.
10:23
